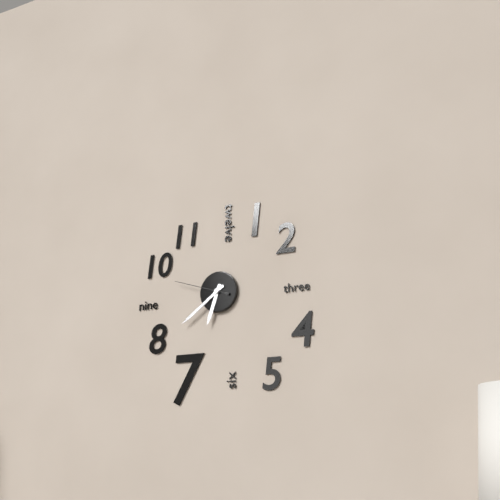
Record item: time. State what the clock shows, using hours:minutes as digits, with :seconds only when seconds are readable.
6:39:48
